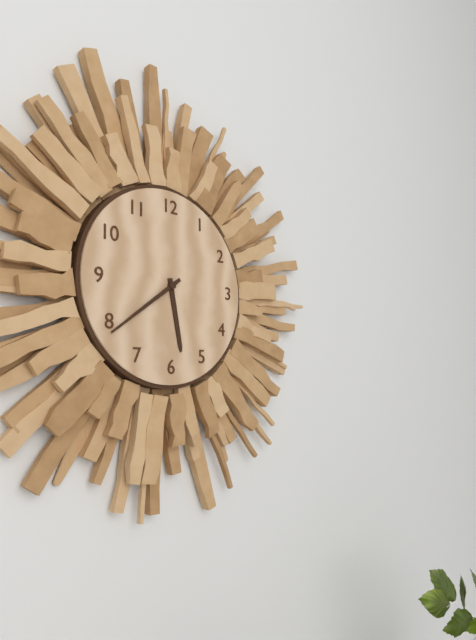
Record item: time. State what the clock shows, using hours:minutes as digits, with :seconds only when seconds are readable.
5:39
